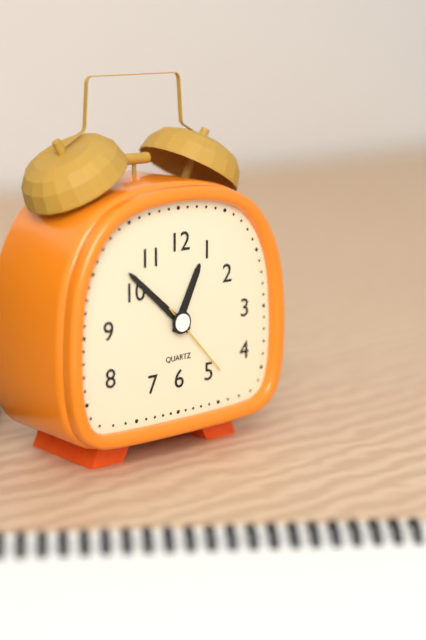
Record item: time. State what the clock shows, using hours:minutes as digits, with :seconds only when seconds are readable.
12:52:23
